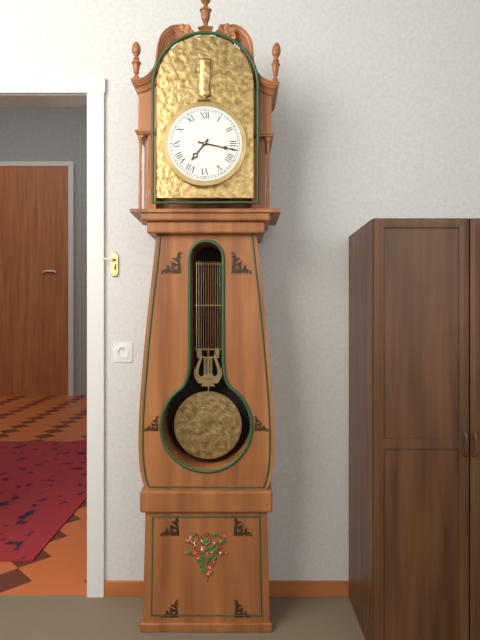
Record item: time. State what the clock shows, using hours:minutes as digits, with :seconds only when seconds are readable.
7:17
